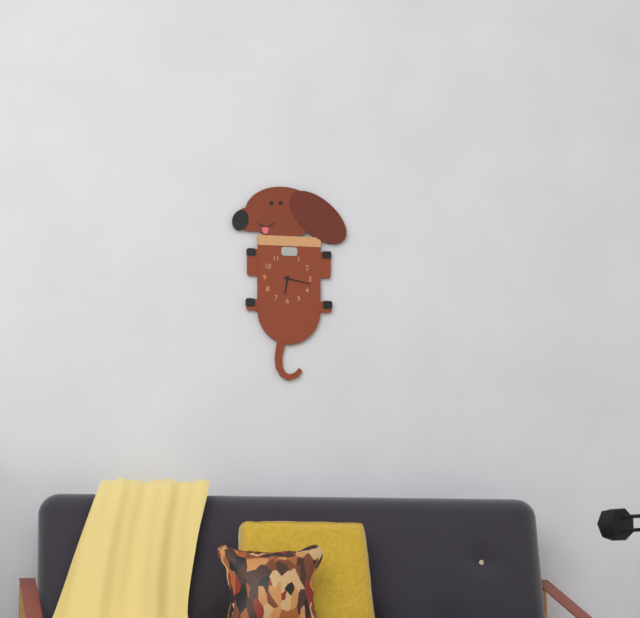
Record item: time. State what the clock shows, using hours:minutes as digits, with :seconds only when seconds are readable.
6:17
